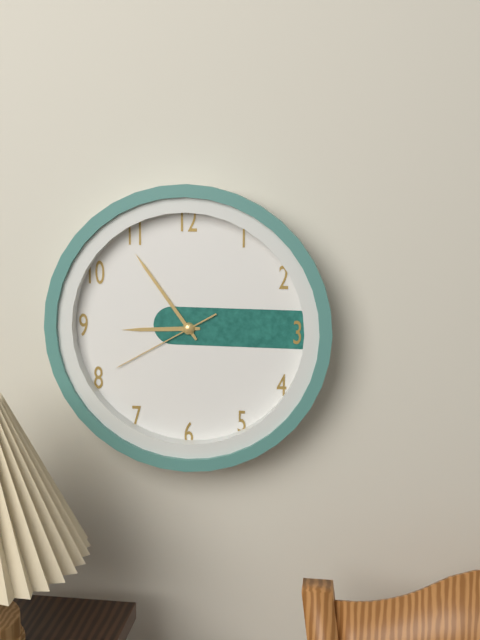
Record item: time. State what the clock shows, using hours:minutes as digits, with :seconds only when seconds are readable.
8:54:40
